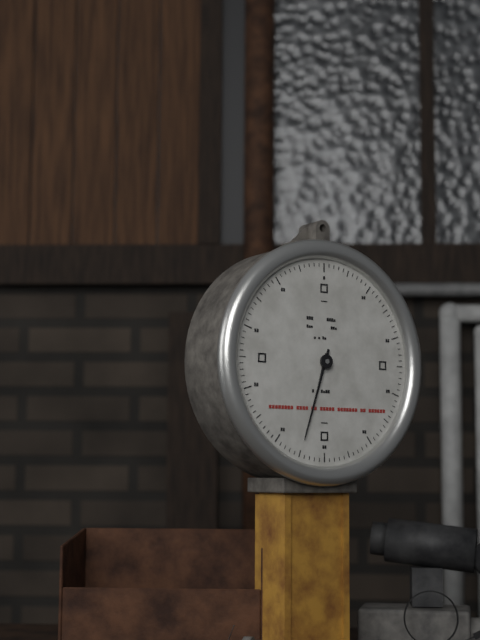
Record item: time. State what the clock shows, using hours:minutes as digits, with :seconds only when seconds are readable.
6:33
